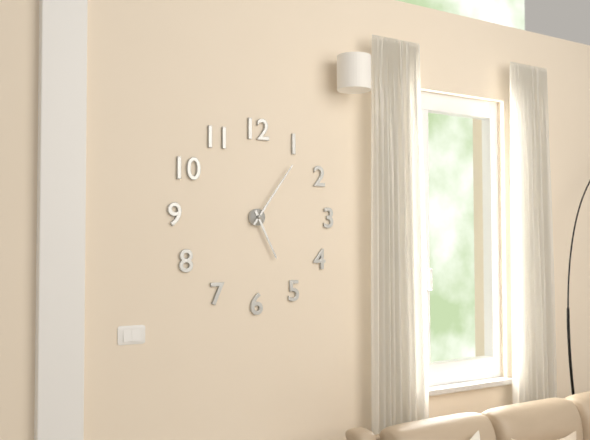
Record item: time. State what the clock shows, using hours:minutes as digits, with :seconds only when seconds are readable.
5:06
